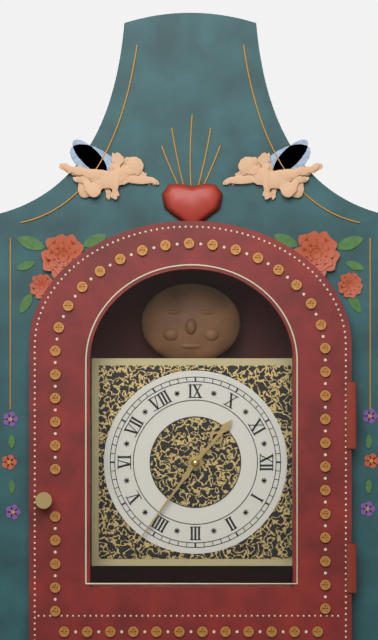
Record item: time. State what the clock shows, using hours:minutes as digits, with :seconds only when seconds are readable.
10:21
